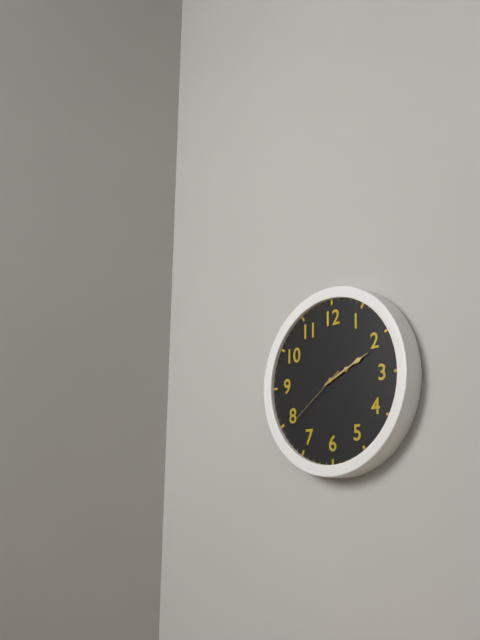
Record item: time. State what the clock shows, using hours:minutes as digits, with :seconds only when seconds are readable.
2:11:39
